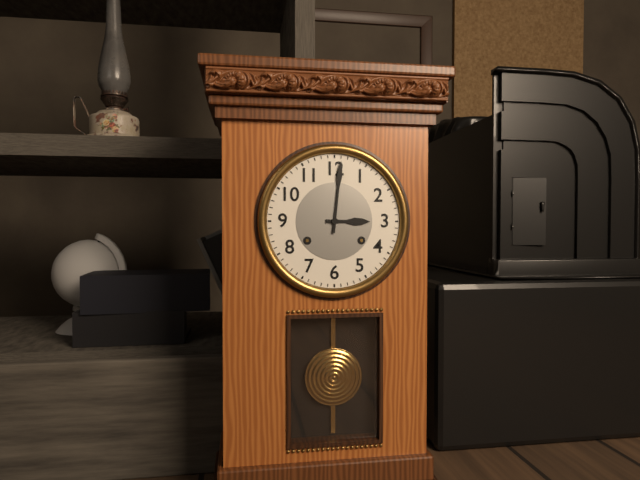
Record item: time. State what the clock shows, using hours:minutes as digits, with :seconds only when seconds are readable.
3:01
